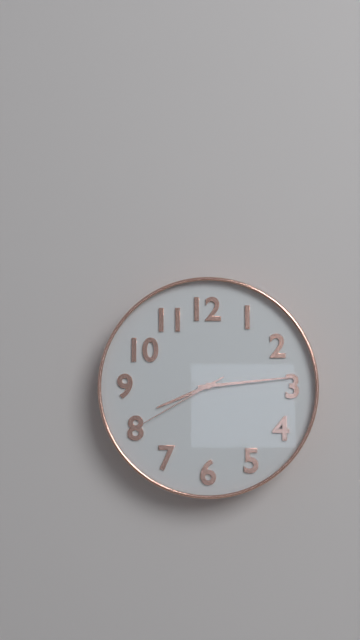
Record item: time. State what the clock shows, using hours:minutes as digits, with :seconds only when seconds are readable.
8:14:40
